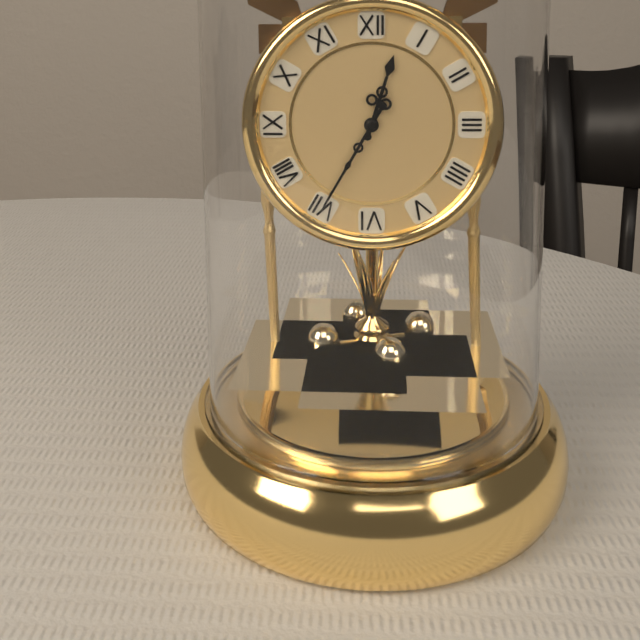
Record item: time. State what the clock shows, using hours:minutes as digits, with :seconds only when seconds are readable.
12:35
